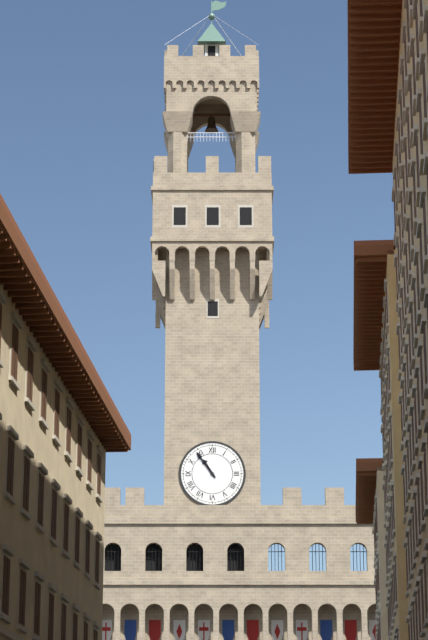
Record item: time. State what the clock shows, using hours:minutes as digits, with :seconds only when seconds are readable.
10:54
